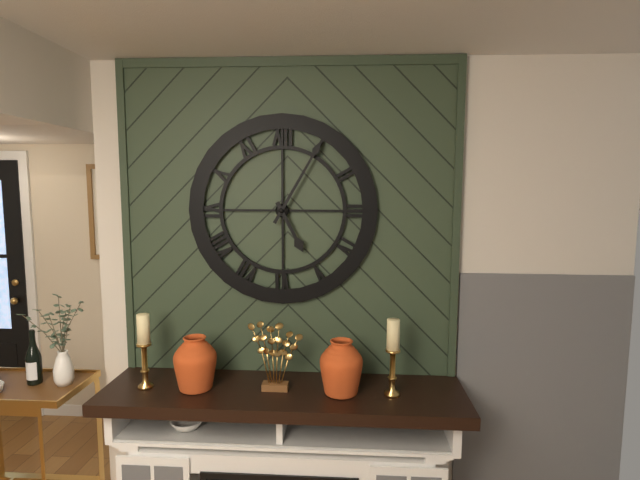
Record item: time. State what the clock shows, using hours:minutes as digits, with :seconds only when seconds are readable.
5:05
